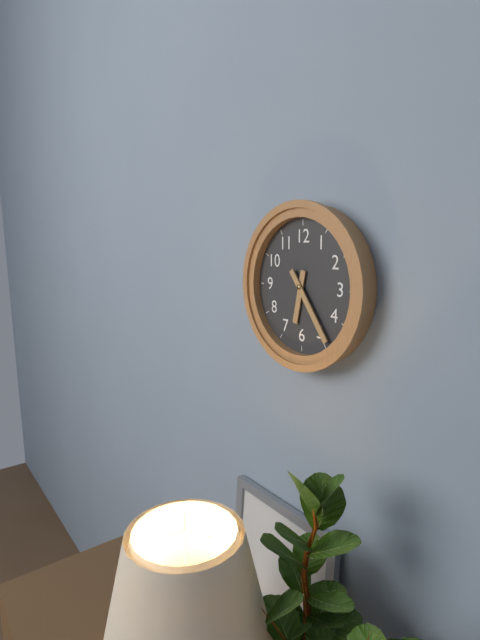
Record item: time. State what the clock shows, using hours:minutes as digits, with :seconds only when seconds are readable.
6:24
